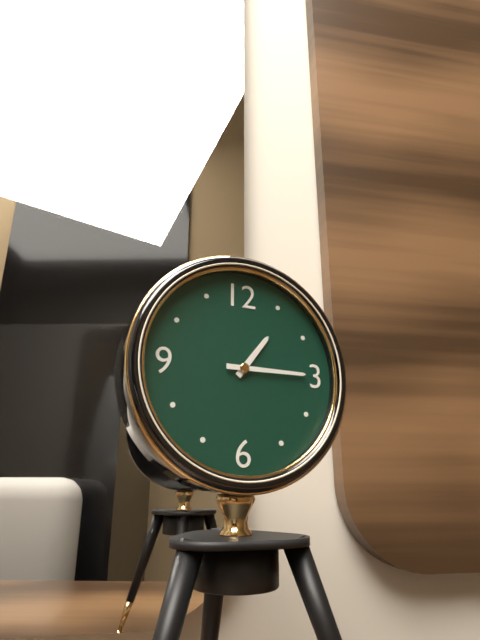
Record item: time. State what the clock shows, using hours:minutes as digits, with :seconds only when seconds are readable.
1:15
